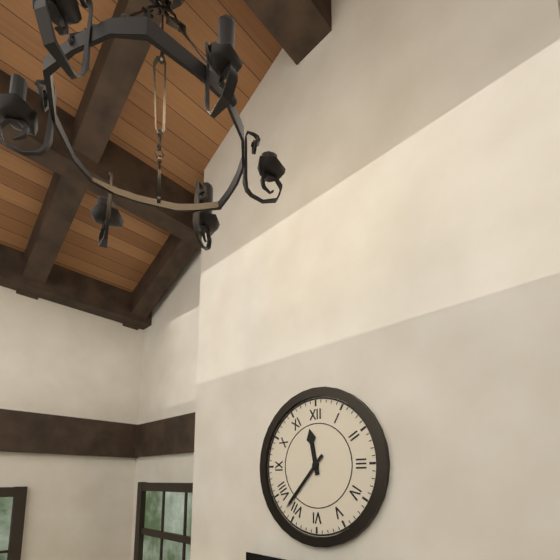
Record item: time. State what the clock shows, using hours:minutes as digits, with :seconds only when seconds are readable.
11:37
